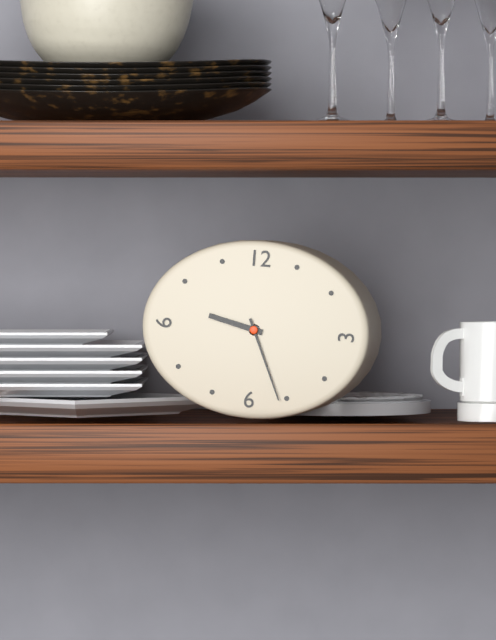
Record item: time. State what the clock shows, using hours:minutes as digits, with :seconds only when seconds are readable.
9:26
